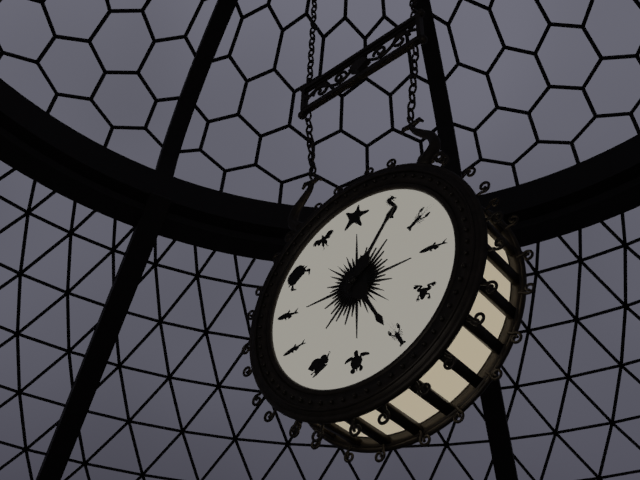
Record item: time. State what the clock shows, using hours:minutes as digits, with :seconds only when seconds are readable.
5:06
